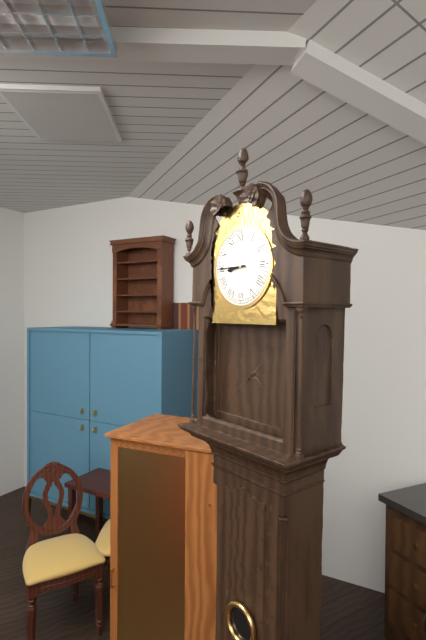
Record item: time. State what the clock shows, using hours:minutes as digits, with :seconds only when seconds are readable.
8:45
